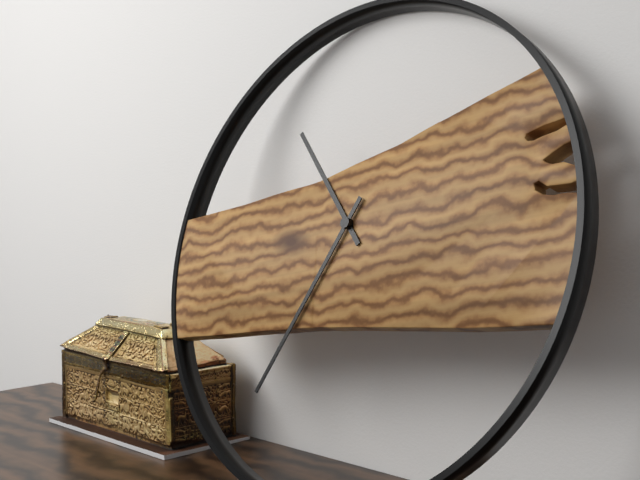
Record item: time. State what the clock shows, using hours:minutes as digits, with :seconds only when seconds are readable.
10:34
